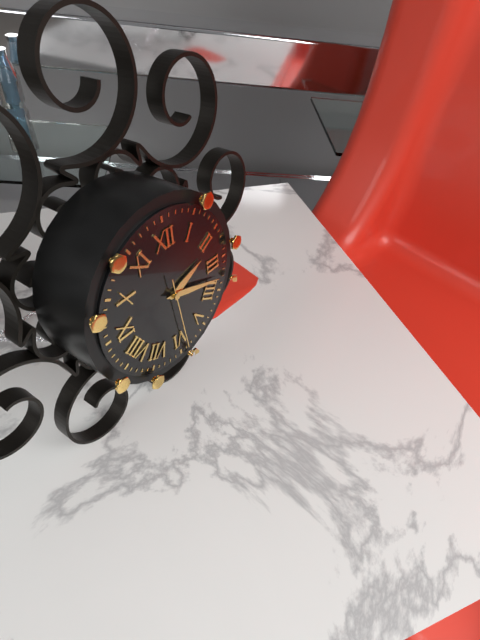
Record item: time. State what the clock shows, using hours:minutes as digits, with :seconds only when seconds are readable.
2:18:29
